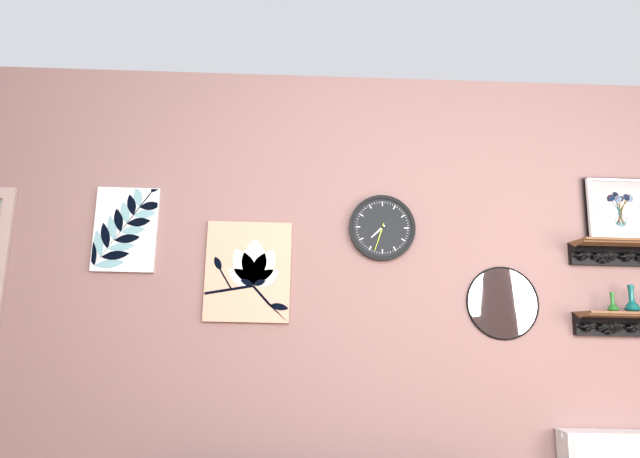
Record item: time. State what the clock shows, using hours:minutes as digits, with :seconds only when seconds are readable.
7:33
